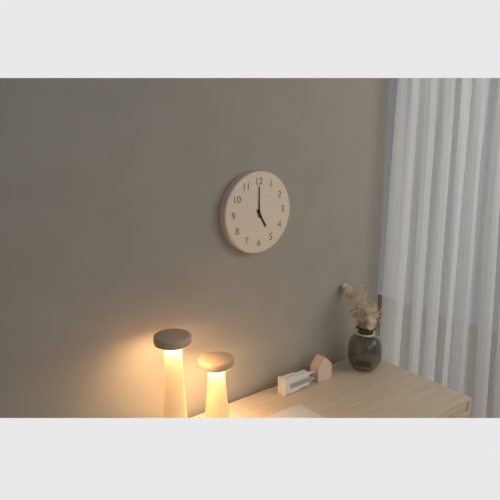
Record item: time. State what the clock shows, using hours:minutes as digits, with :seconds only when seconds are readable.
5:00
